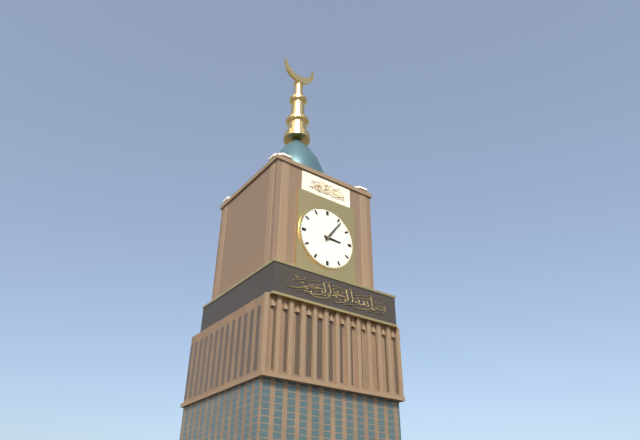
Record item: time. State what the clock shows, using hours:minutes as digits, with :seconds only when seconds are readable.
3:06
